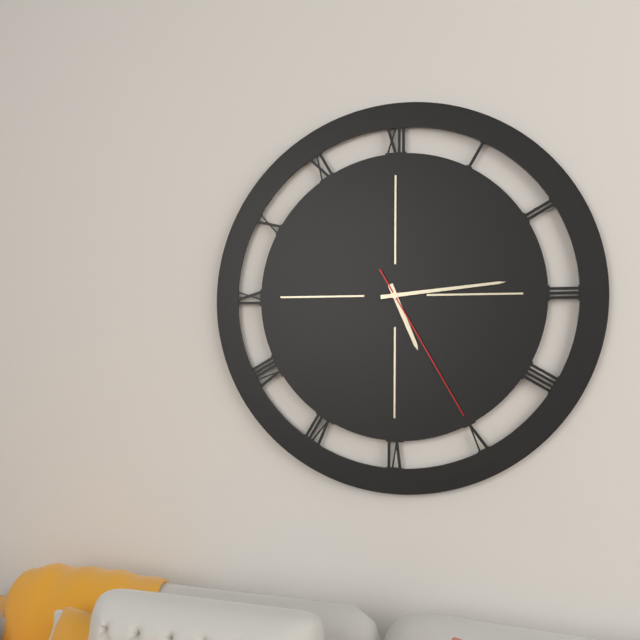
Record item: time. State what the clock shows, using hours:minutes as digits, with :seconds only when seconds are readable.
5:14:25
